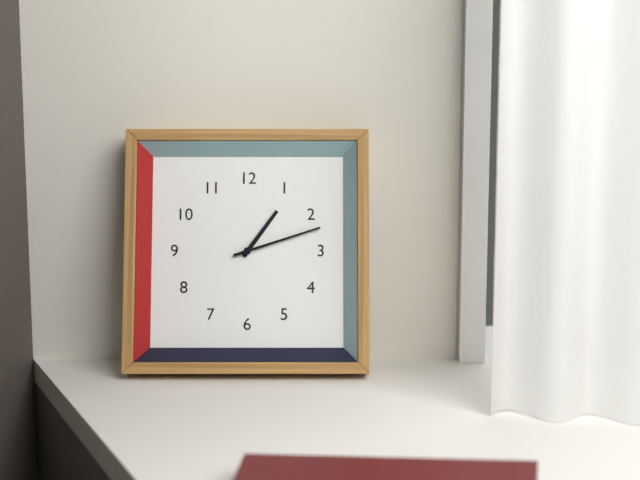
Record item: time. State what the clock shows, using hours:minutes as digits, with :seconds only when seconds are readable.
1:12
